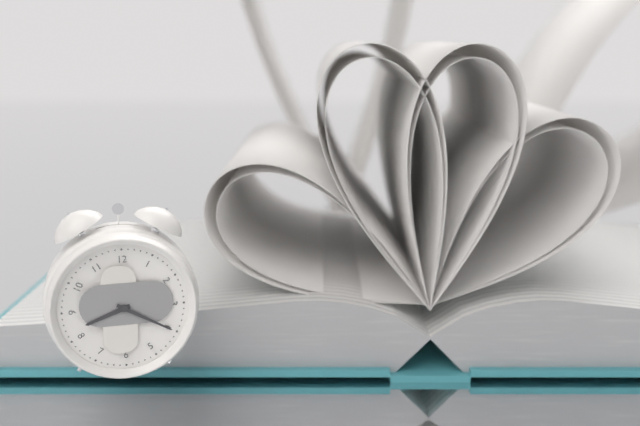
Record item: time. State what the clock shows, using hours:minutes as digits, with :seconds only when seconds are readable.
8:20
